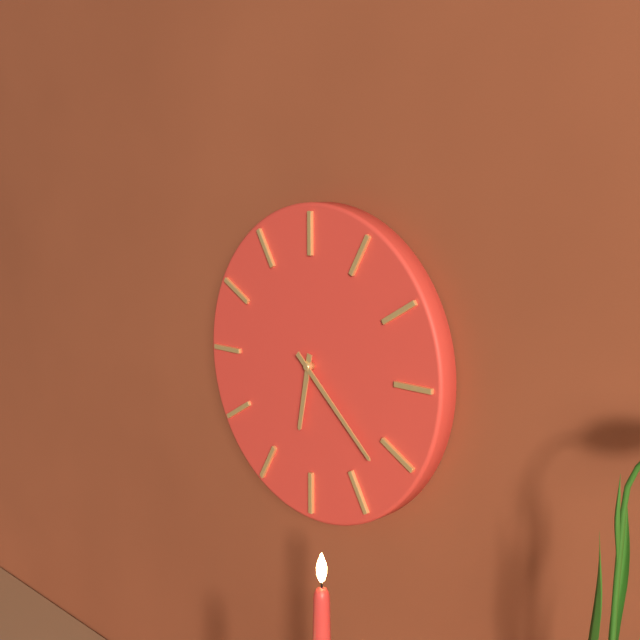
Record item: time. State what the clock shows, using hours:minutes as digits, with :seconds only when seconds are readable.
6:22
